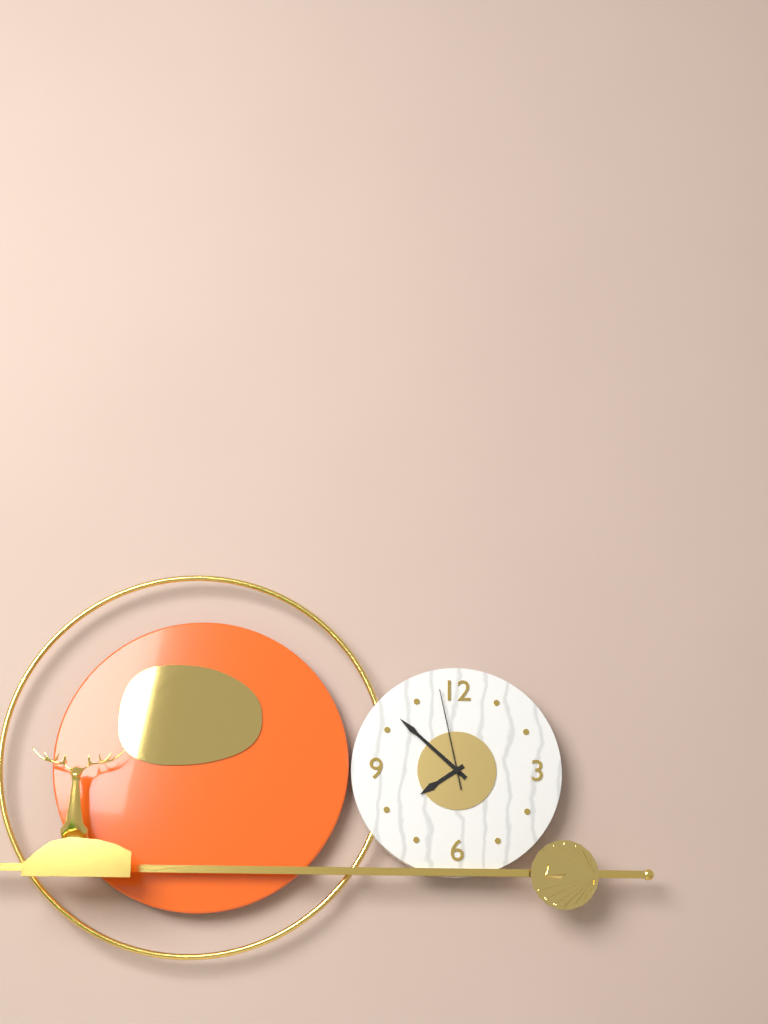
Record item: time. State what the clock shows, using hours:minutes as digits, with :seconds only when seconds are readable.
7:52:58
